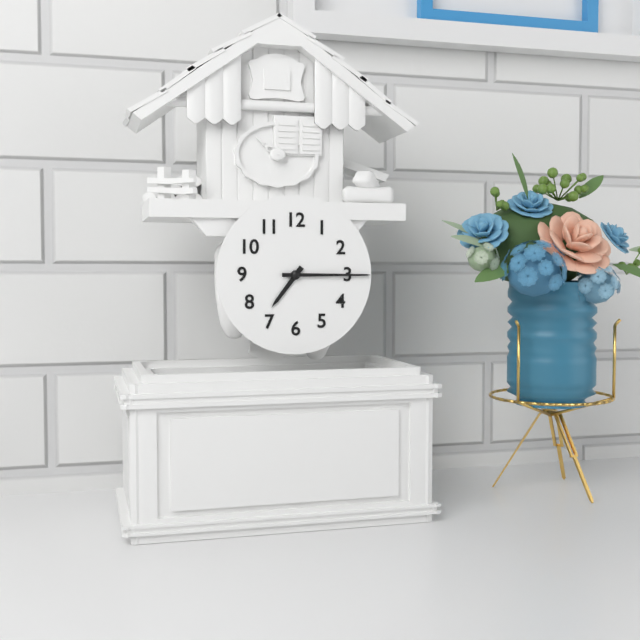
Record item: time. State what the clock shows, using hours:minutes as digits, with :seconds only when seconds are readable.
7:15
